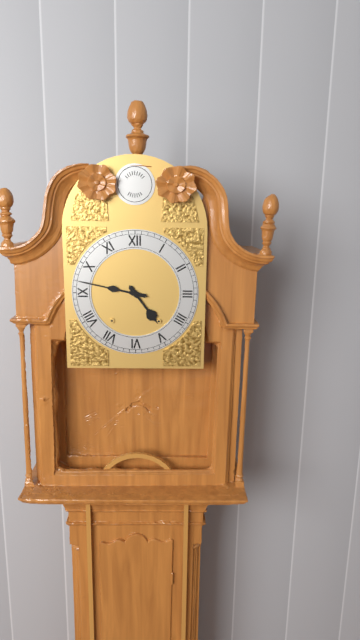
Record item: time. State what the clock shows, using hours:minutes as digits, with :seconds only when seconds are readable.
4:47
